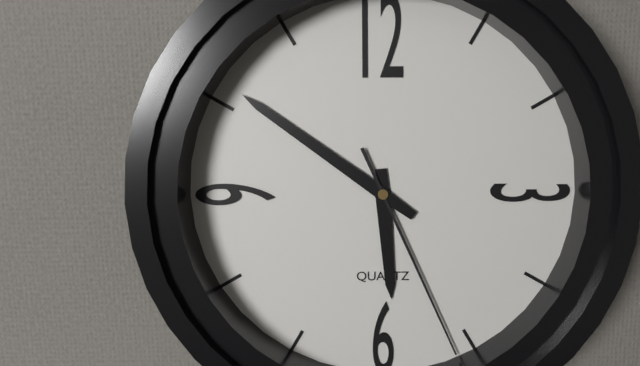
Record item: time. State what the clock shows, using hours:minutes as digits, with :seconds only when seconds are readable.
5:51:26
